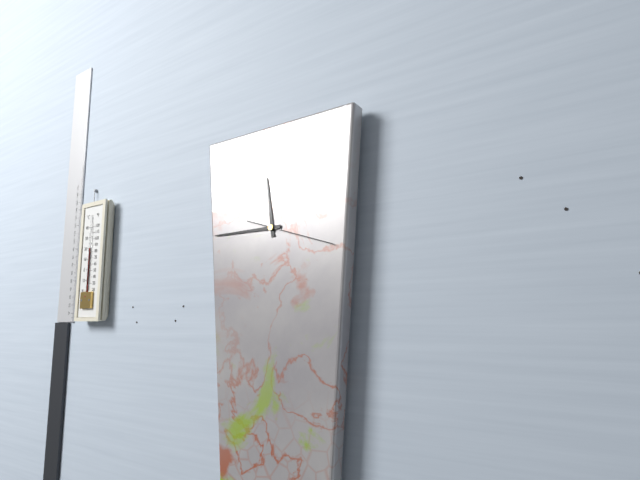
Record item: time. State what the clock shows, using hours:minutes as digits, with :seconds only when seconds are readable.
11:45:18
